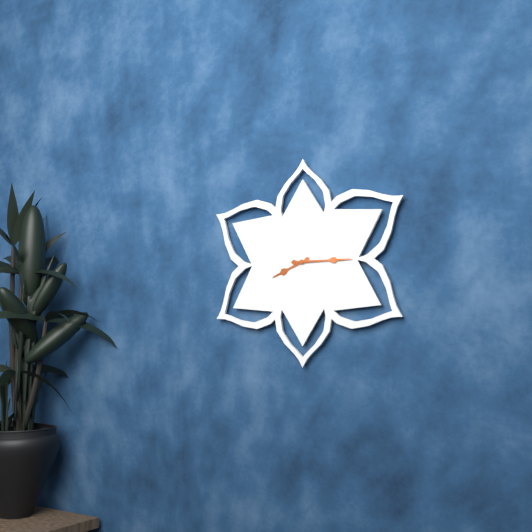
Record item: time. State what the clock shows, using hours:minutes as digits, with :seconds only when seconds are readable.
8:15
